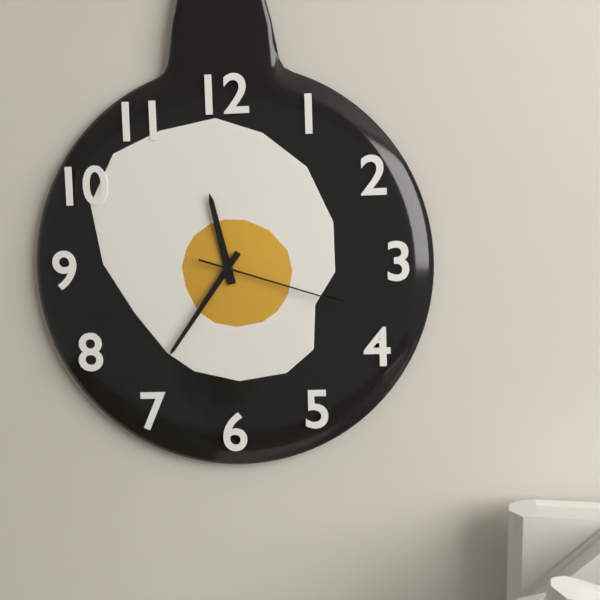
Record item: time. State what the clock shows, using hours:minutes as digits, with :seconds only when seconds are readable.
11:36:18
